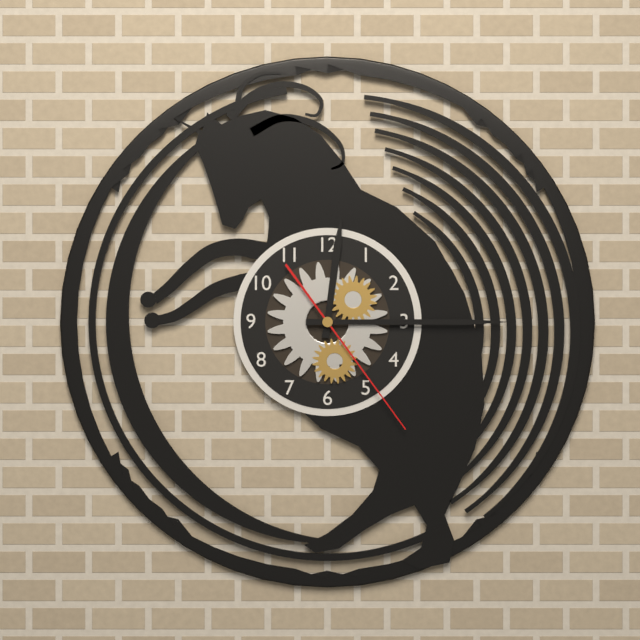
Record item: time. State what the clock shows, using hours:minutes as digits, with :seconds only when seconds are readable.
12:15:24
